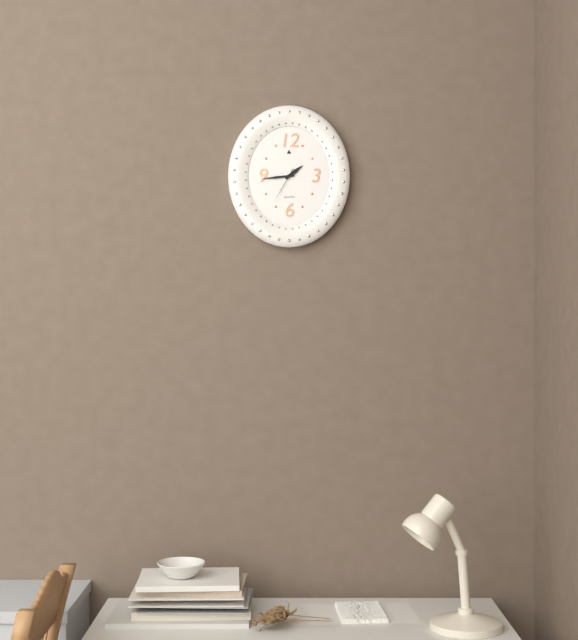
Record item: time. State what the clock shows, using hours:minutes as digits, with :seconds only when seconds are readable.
1:44
